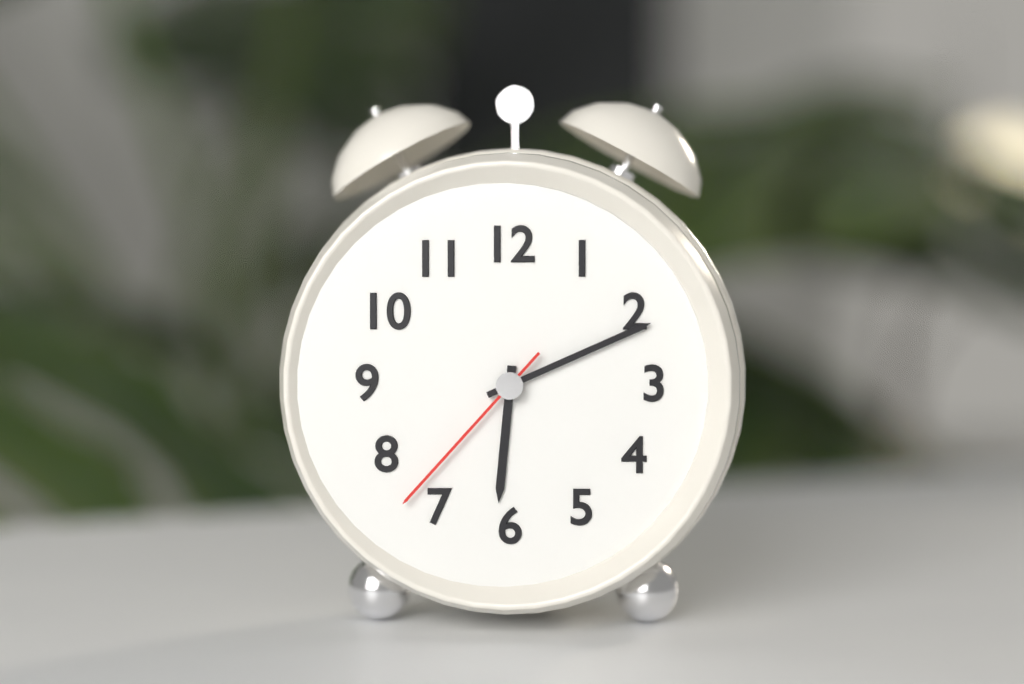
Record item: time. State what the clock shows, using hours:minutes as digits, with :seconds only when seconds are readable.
6:11:37
